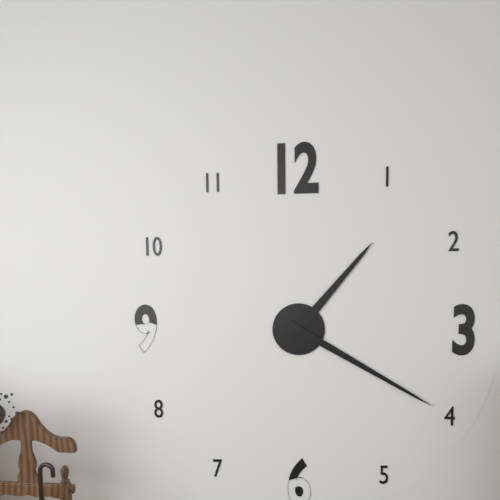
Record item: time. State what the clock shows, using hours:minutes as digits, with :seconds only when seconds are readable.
1:20
